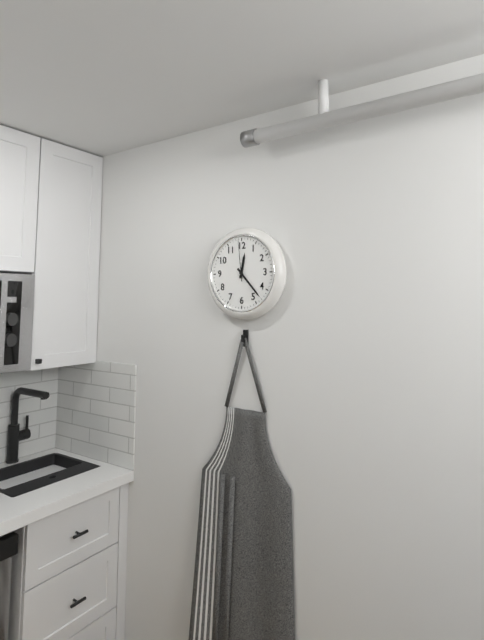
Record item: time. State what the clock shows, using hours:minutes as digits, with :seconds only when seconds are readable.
12:23
